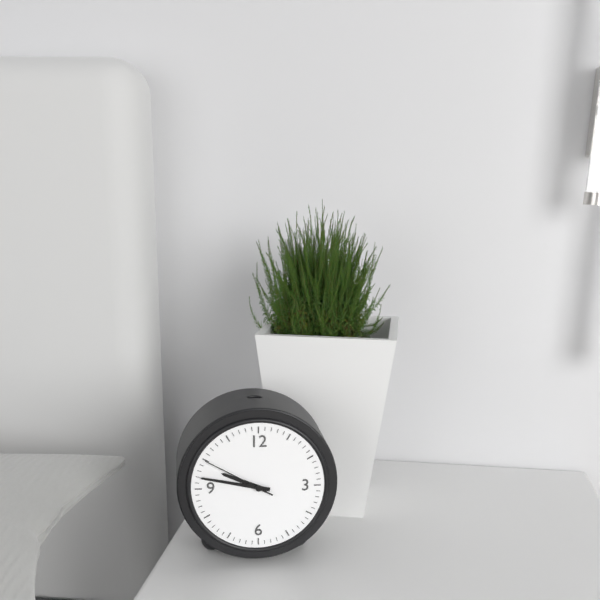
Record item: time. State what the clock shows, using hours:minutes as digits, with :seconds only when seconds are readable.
9:47:50
